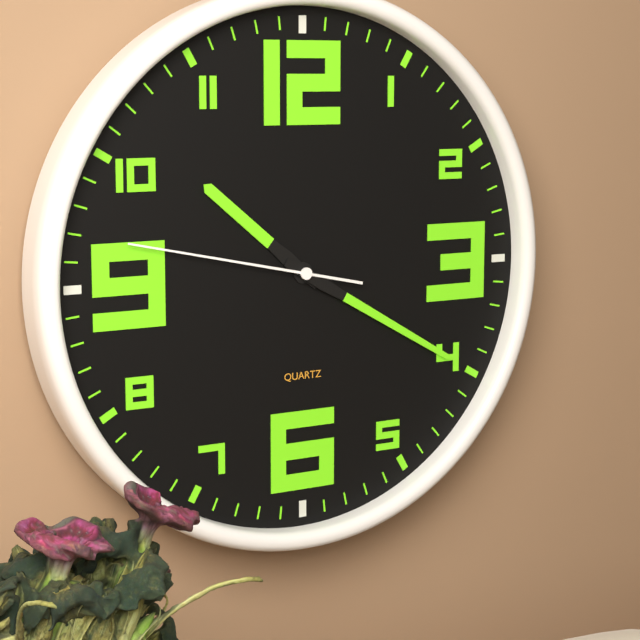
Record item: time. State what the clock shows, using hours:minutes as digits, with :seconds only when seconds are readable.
10:20:47
